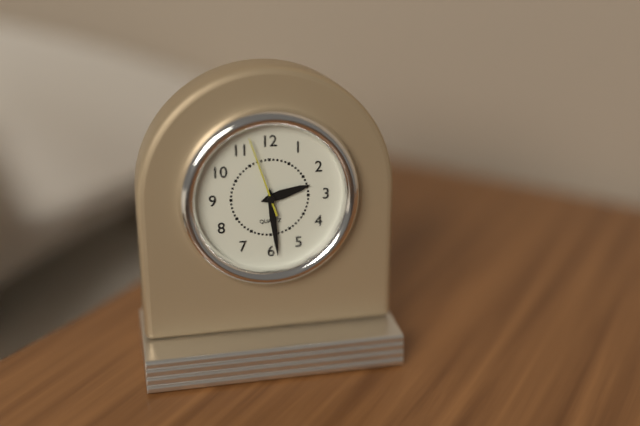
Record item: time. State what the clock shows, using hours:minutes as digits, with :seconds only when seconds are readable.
2:29:57
